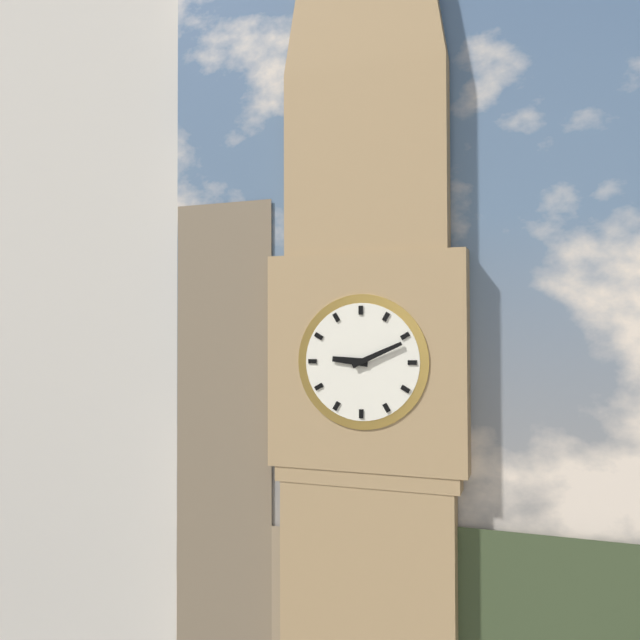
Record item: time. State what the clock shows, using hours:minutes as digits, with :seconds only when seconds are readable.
9:11
